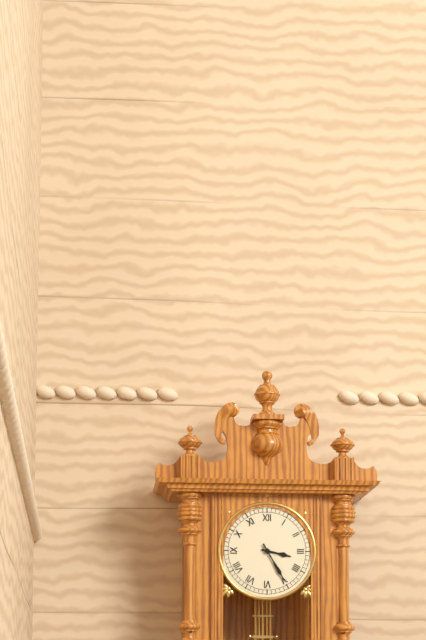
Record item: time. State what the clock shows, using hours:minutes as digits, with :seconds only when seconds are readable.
3:25
